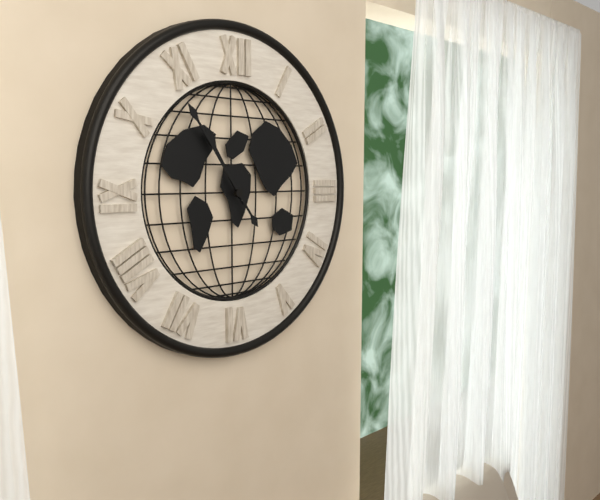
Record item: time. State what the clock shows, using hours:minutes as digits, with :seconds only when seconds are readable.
10:54
